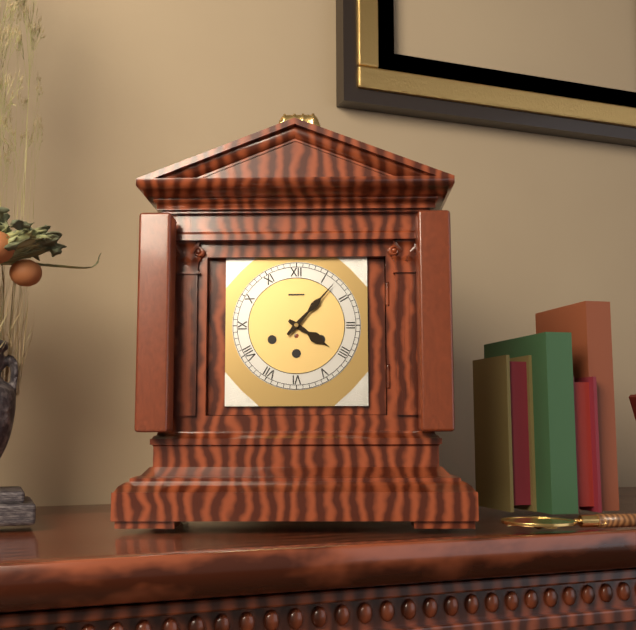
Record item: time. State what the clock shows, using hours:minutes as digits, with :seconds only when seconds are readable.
4:07
